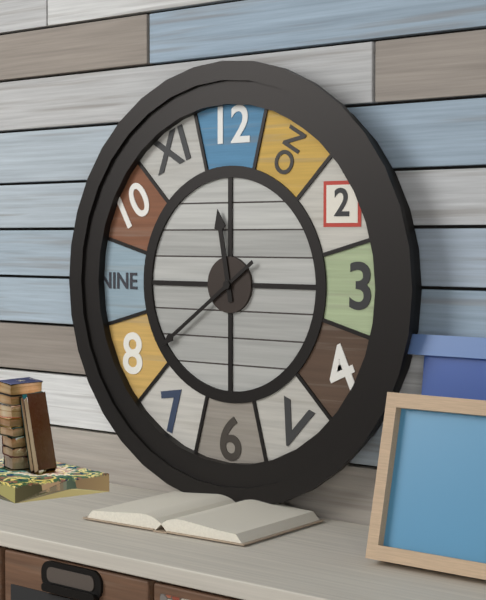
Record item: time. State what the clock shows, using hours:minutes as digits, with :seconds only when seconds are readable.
11:39
